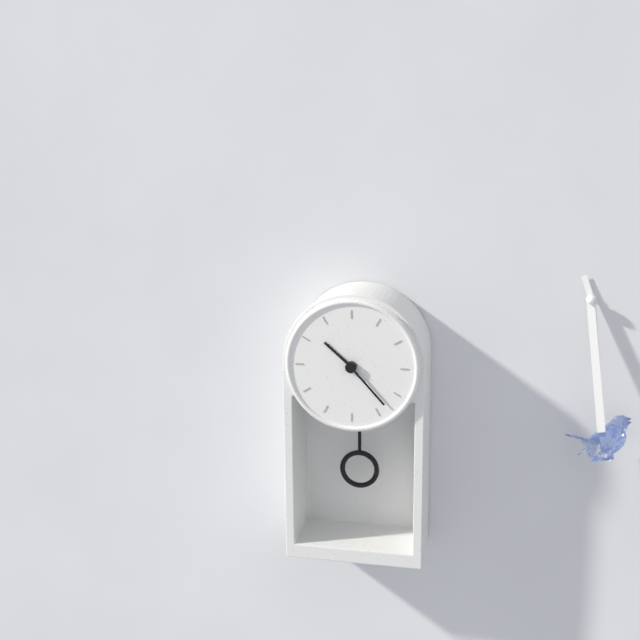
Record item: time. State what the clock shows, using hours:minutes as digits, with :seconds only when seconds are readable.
10:23
